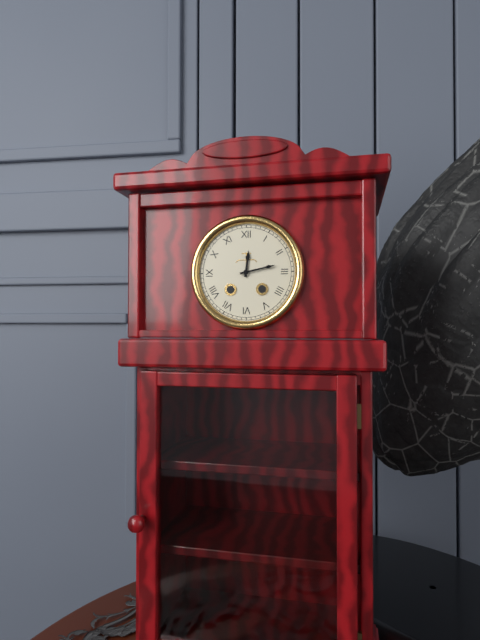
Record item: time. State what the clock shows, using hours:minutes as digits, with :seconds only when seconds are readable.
12:13
